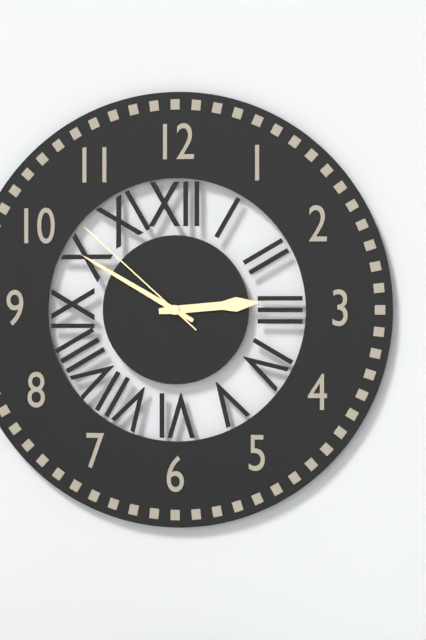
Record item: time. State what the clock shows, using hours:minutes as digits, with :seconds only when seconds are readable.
2:50:52
